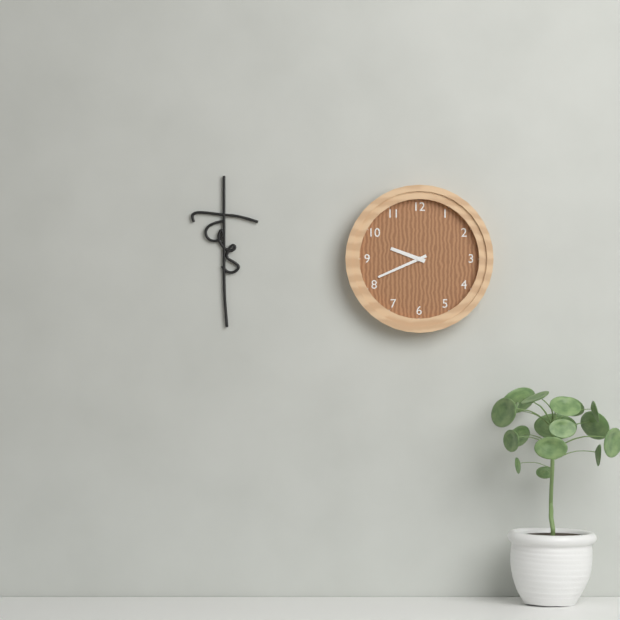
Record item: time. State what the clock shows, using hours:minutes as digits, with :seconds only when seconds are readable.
9:41
